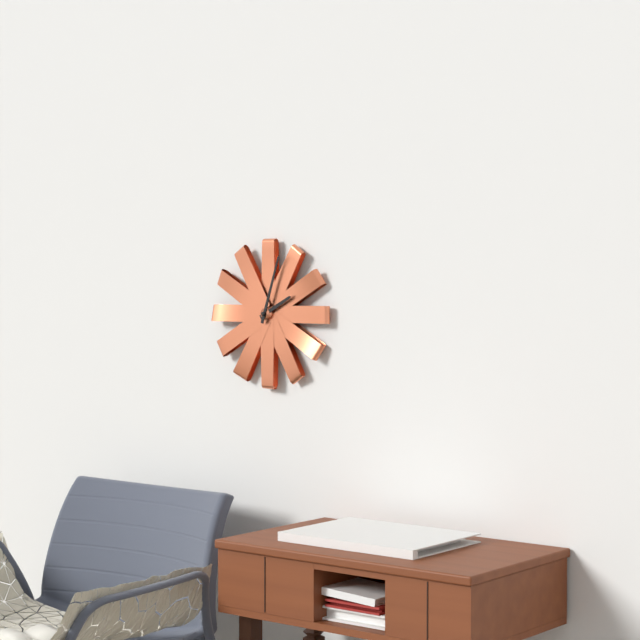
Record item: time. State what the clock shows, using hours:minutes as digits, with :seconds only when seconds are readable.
2:03
